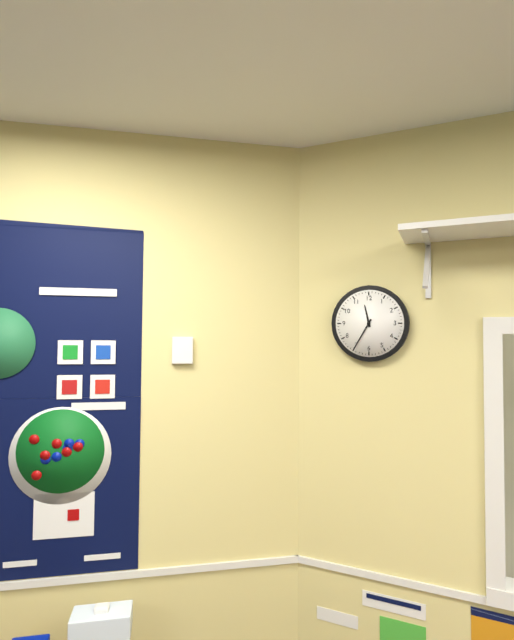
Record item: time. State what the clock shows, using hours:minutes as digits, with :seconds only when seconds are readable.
11:35
